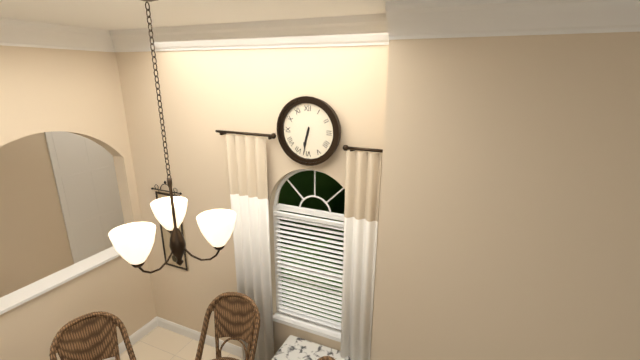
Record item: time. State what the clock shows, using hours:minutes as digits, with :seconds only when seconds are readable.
6:32
